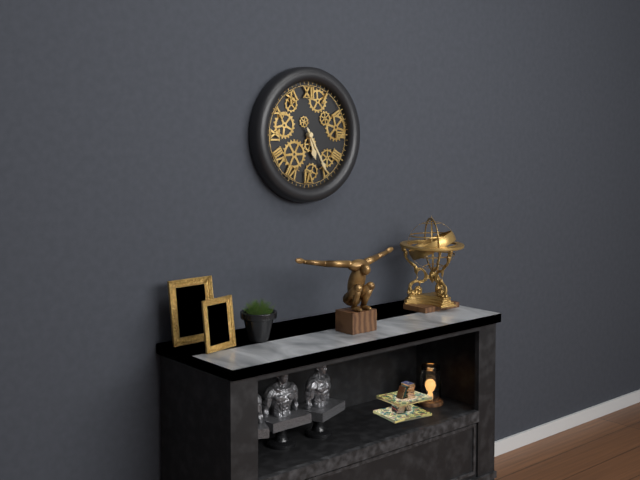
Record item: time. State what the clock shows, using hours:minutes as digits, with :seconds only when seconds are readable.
5:25
